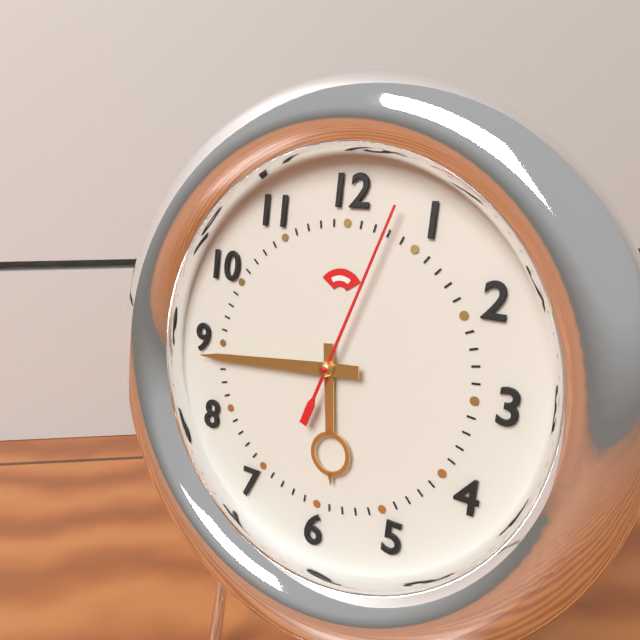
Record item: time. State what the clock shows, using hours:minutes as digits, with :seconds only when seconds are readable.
5:44:03
